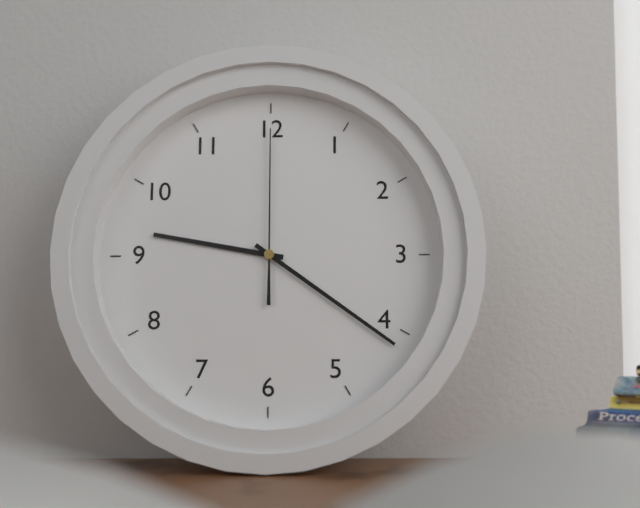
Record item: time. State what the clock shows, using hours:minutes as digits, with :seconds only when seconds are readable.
9:21:00
